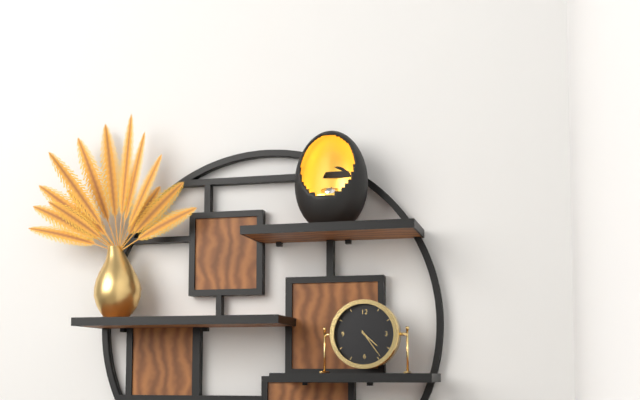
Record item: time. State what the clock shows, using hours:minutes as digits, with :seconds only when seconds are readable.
4:24
